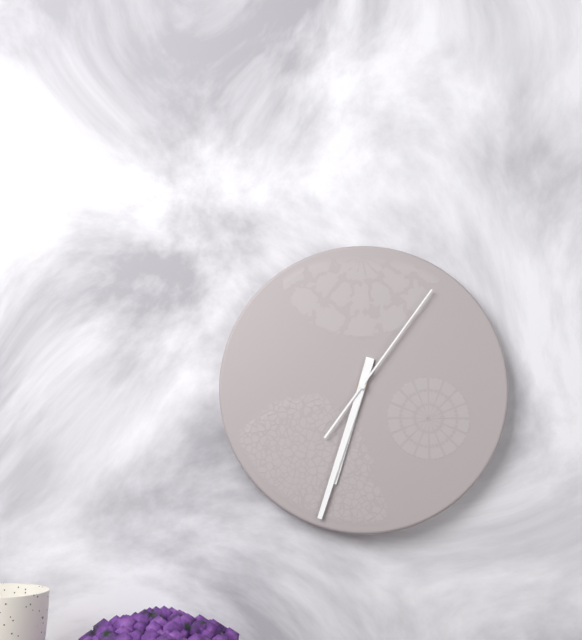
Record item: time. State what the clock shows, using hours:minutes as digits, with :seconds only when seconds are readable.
6:33:06
